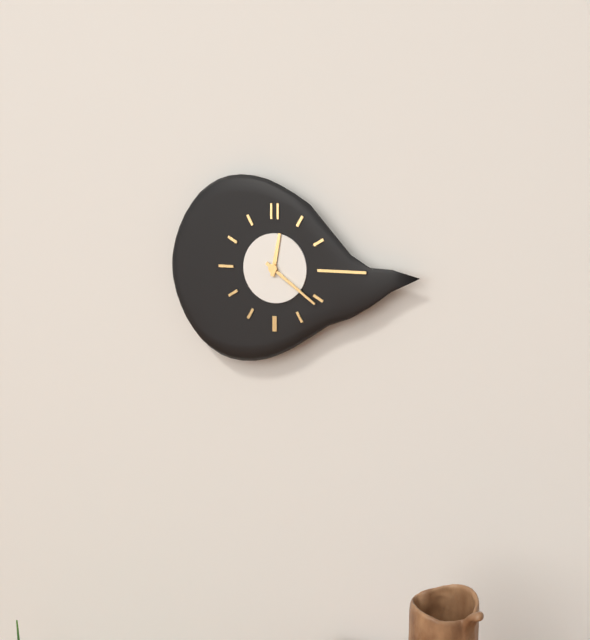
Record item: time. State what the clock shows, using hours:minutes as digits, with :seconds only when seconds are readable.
12:21
